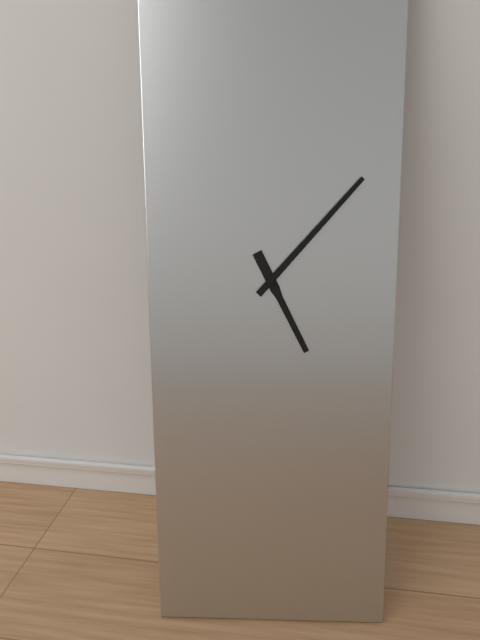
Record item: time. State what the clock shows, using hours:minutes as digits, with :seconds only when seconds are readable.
5:07
